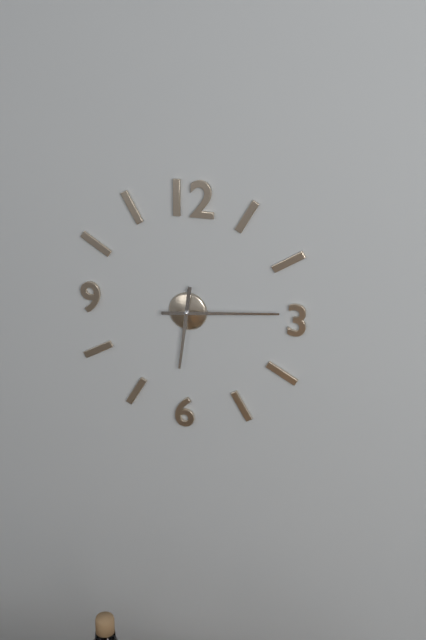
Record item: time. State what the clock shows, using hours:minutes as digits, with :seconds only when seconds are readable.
6:14
